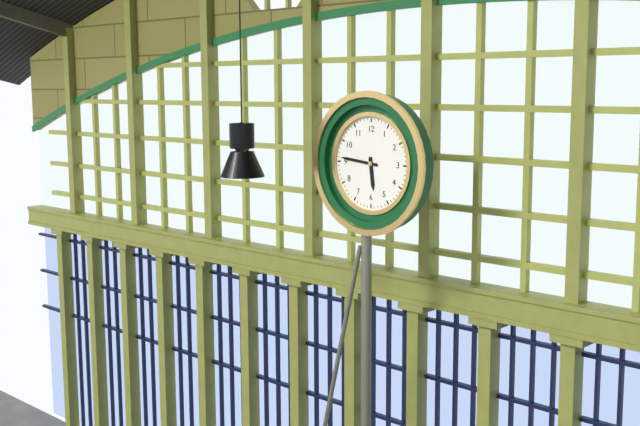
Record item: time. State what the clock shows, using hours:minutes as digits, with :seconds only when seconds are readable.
5:46
